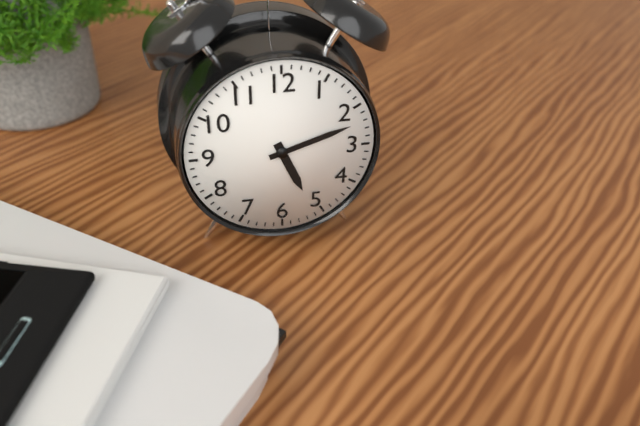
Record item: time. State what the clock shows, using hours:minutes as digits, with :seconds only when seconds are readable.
5:12
